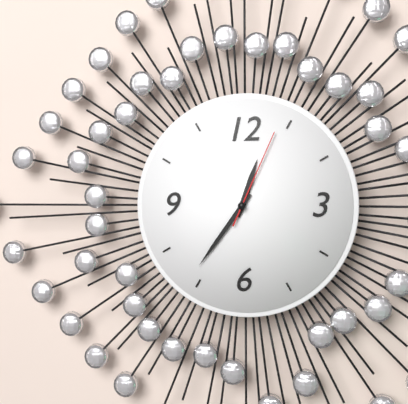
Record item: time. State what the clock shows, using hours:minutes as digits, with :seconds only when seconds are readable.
12:36:04
